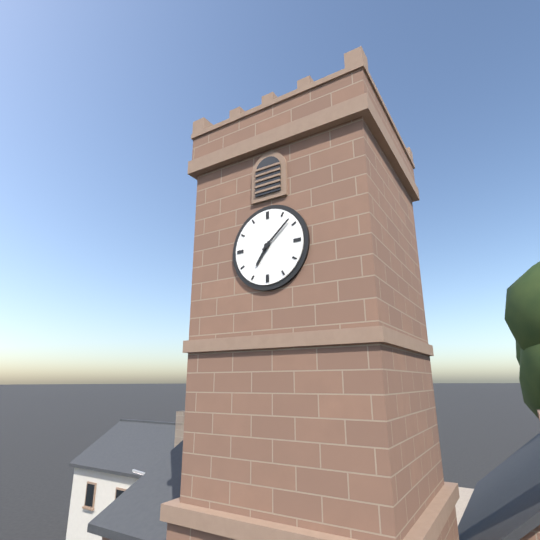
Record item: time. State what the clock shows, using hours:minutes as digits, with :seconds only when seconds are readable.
7:08
